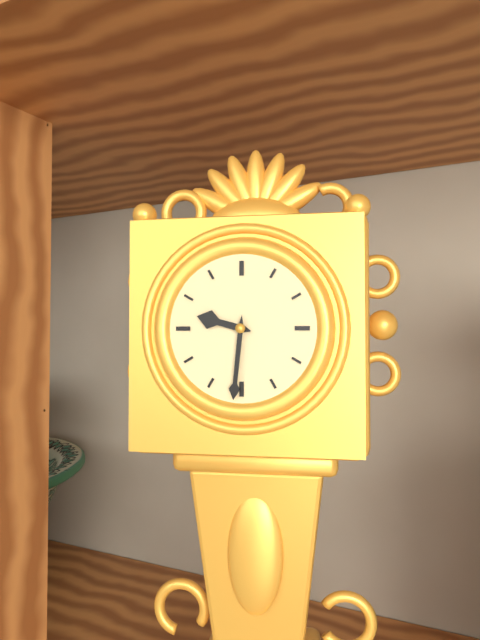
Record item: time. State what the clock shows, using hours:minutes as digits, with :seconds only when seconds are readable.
9:31
